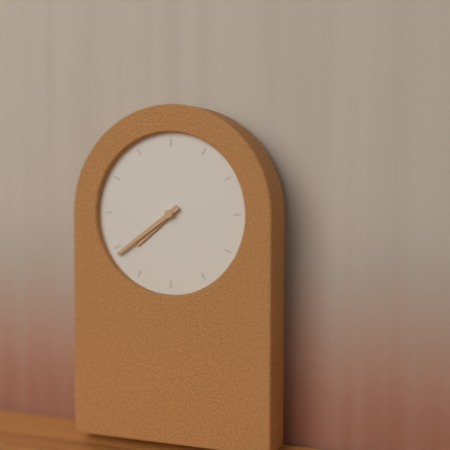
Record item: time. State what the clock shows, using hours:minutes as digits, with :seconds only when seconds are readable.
7:39
